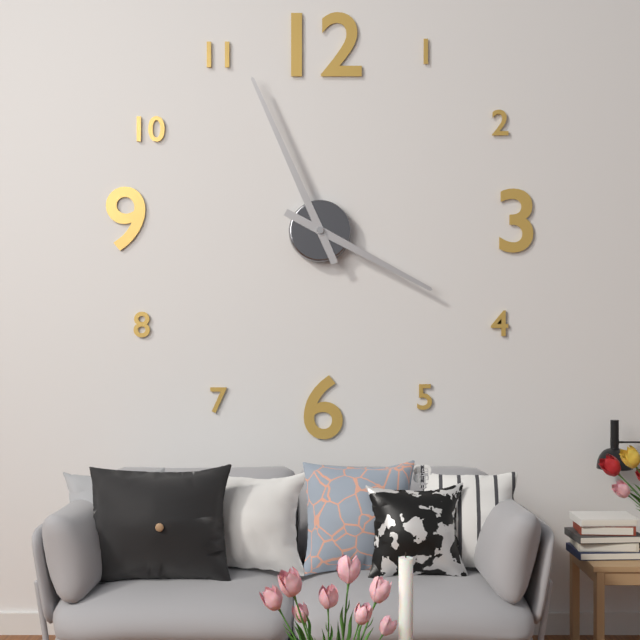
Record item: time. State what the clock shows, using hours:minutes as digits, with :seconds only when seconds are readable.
3:56
